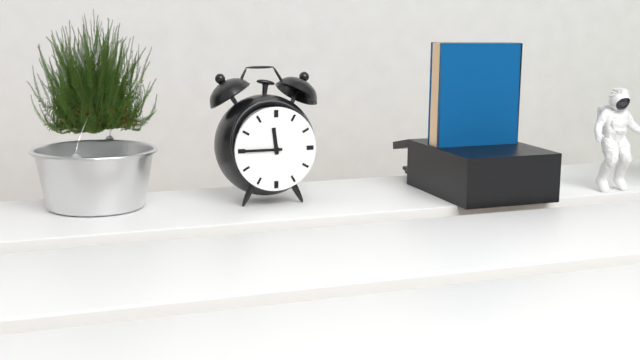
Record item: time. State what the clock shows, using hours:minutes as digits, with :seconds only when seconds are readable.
11:45
